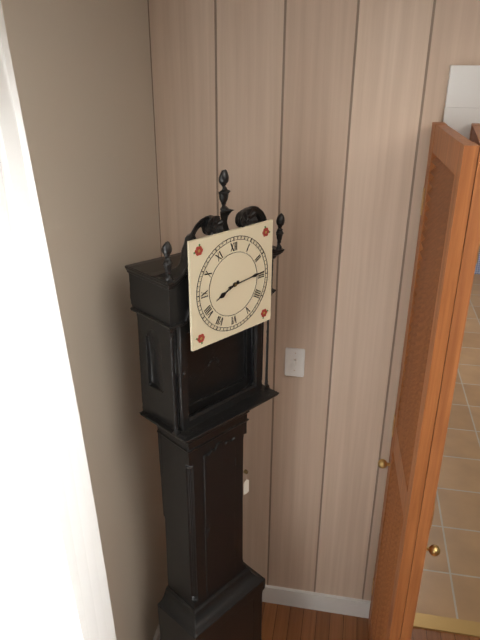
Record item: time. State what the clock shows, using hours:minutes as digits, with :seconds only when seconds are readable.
8:14
